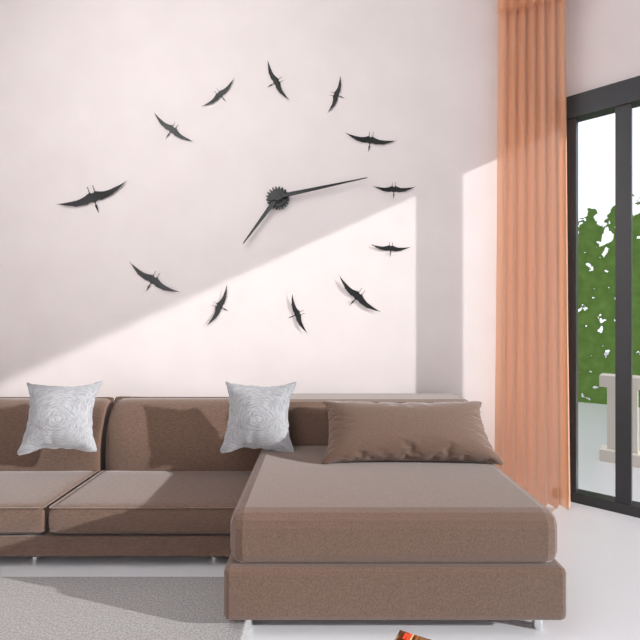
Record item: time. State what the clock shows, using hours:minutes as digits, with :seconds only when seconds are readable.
7:13
